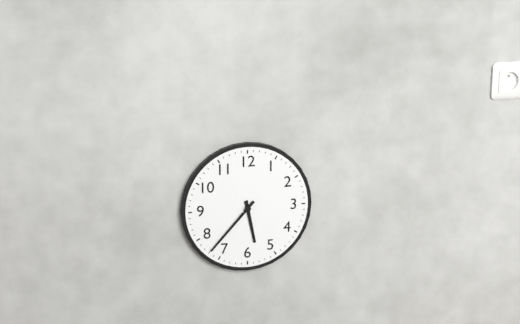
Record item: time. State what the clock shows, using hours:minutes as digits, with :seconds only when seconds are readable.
5:37
